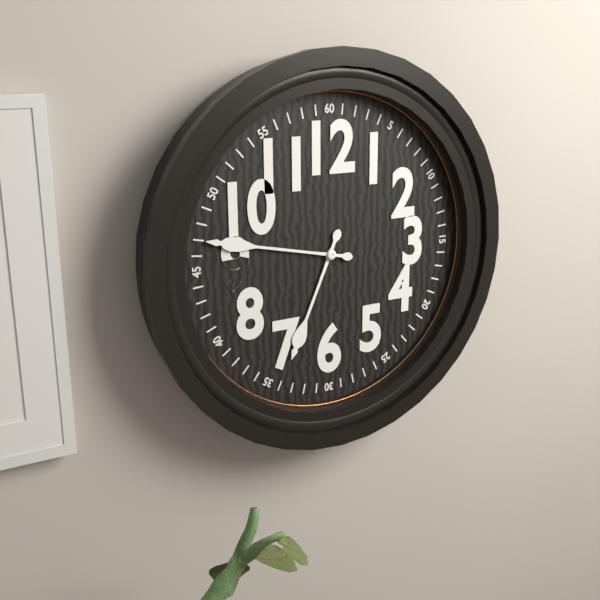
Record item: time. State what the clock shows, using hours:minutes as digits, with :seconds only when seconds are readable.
6:47
